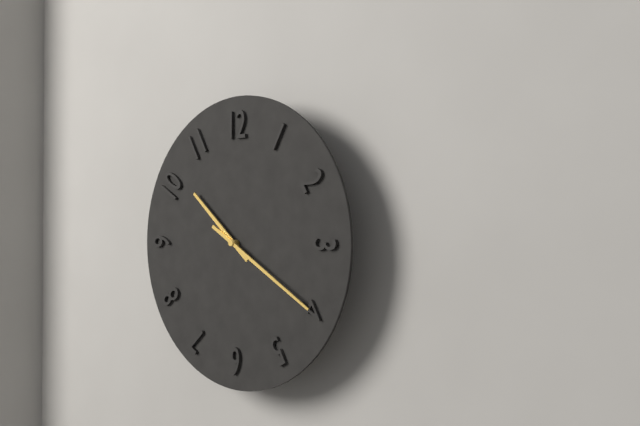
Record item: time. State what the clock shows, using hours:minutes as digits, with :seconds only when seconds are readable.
10:20
